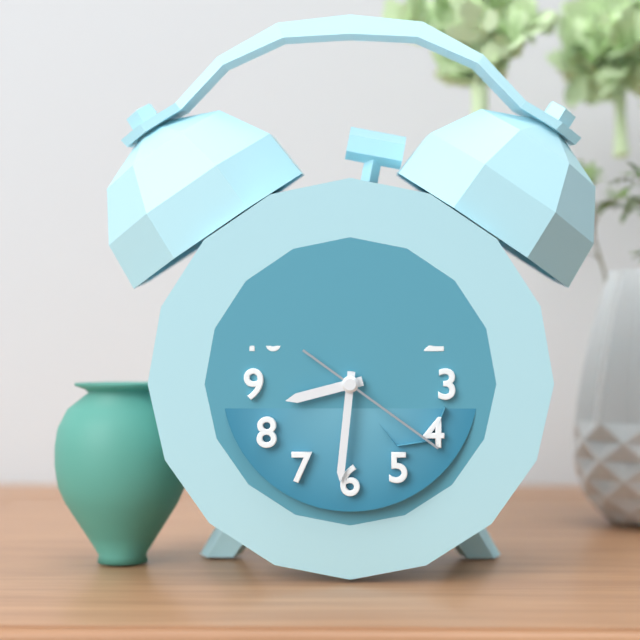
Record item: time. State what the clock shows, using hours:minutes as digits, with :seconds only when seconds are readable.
8:31:21
